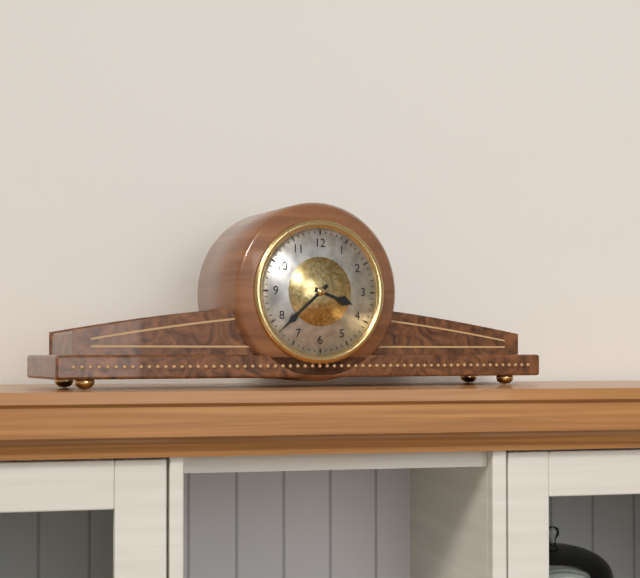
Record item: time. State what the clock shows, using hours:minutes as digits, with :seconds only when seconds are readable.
3:38
